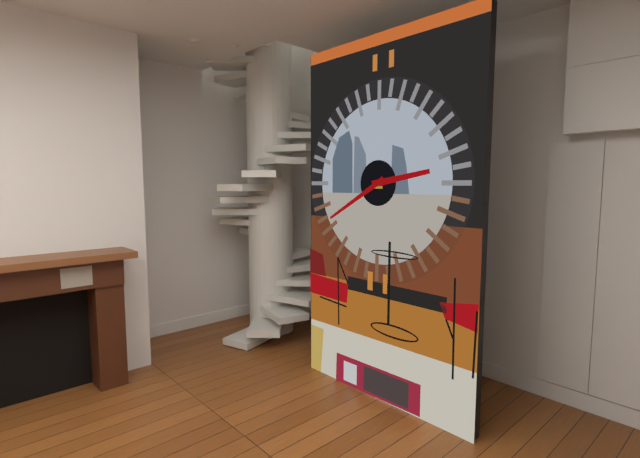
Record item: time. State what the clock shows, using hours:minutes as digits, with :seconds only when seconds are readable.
2:40
